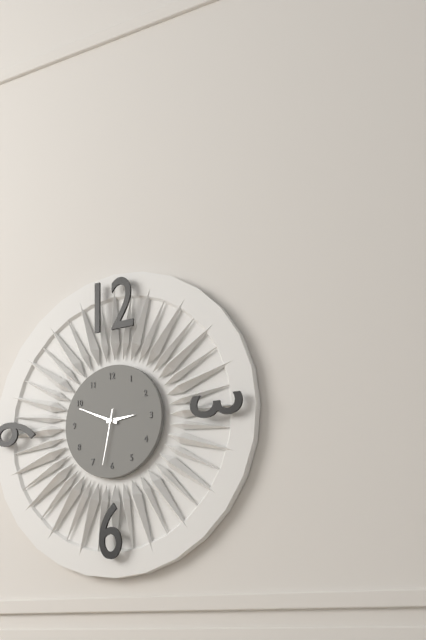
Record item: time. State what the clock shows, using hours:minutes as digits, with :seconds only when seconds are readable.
2:49:32
